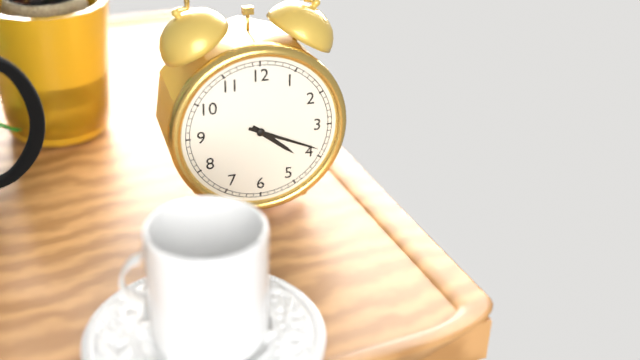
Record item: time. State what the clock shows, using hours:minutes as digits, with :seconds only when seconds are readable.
4:19
